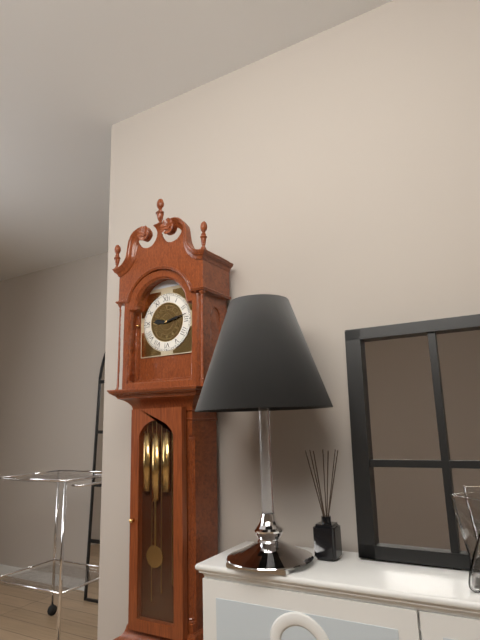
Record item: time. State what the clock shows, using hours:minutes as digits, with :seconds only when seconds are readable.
9:13
